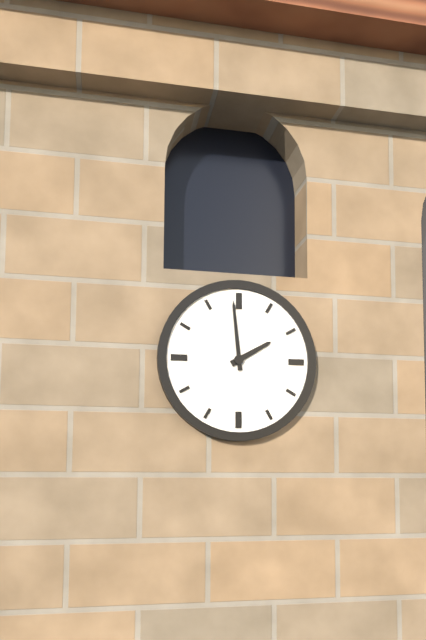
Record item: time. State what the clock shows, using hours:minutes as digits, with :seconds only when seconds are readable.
1:59
